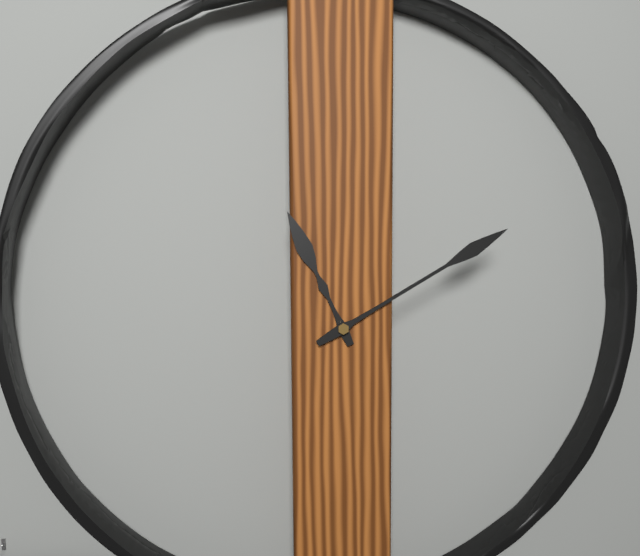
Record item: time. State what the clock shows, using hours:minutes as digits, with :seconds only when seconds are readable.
11:10
